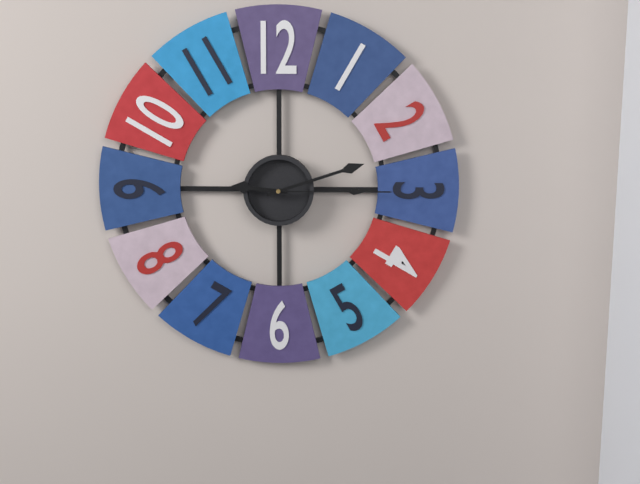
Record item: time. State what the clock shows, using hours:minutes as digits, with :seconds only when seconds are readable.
9:12:15
